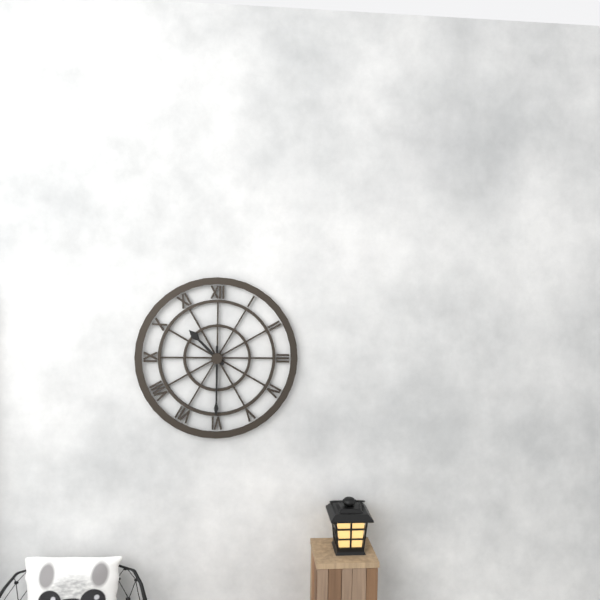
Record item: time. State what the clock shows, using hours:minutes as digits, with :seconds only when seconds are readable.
10:30
